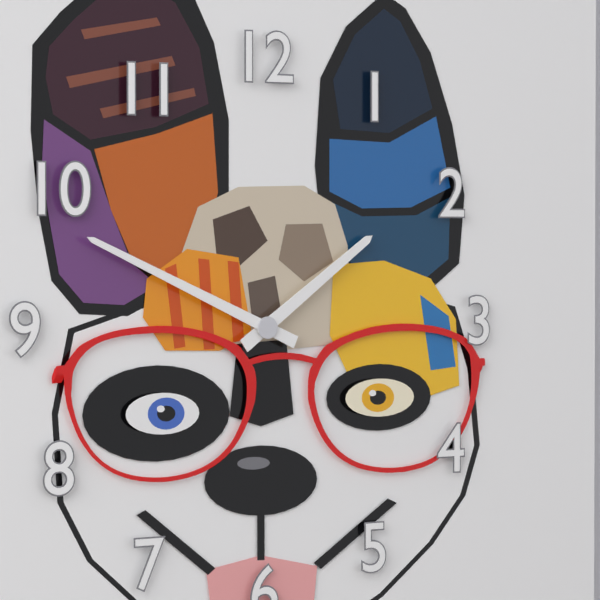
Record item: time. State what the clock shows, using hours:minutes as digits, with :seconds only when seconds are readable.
1:49
